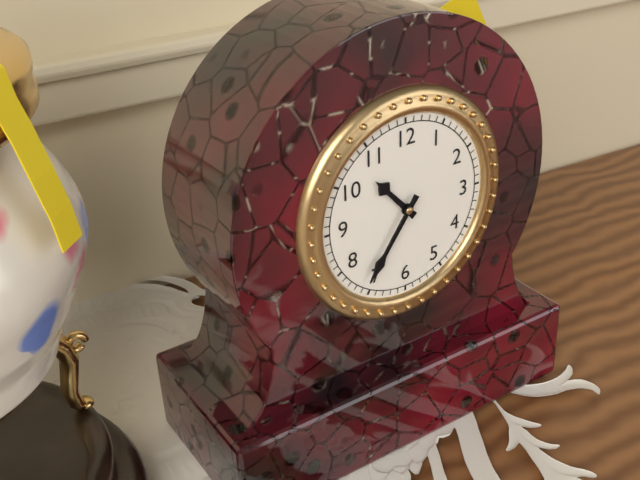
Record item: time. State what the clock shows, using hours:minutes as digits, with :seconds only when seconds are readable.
10:36
